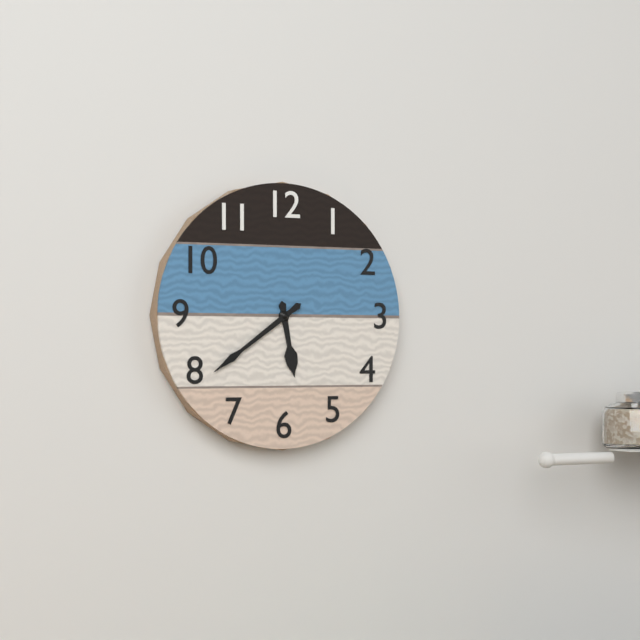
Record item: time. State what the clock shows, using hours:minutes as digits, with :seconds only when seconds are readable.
5:39
